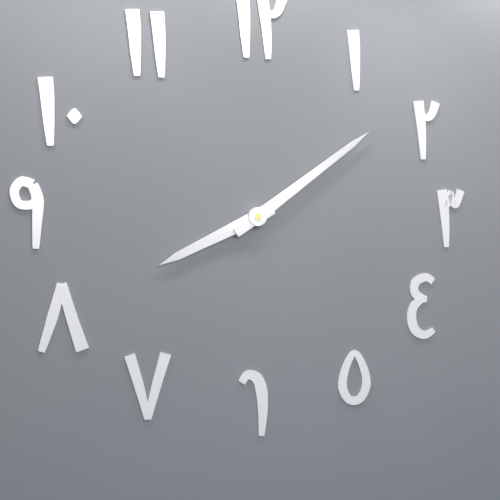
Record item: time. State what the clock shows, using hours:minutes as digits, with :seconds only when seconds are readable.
8:09
